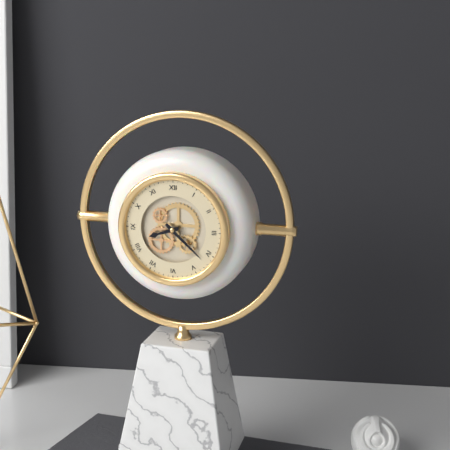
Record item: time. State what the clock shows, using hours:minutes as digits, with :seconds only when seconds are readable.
8:22
